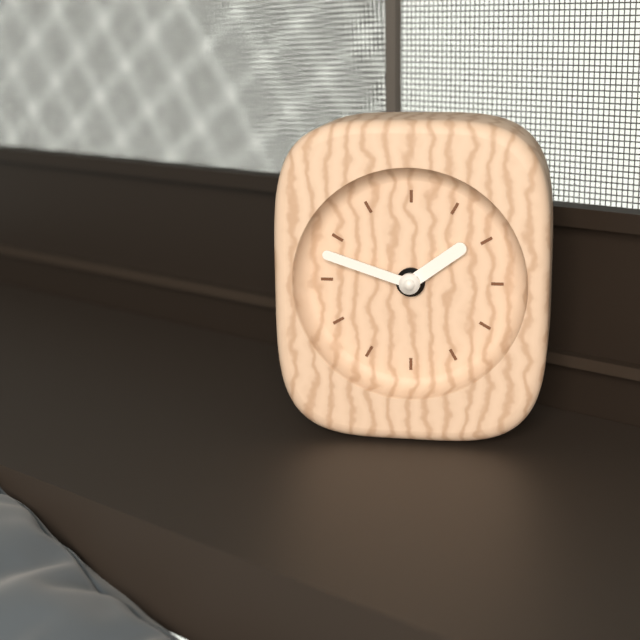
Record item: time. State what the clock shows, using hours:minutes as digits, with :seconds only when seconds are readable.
1:48
